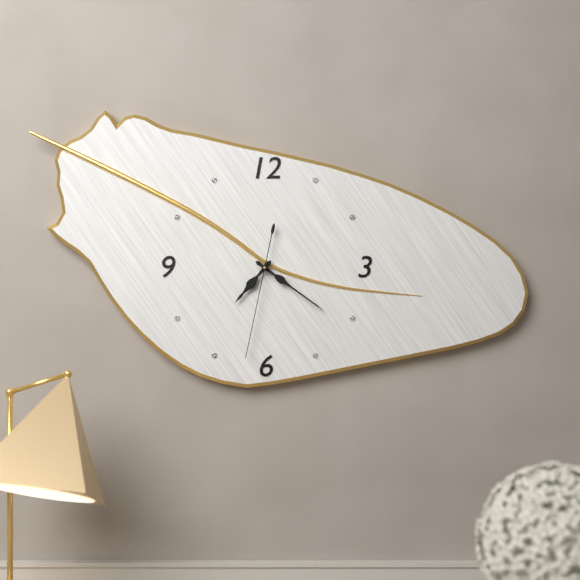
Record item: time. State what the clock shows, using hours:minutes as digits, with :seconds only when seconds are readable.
7:21:32
